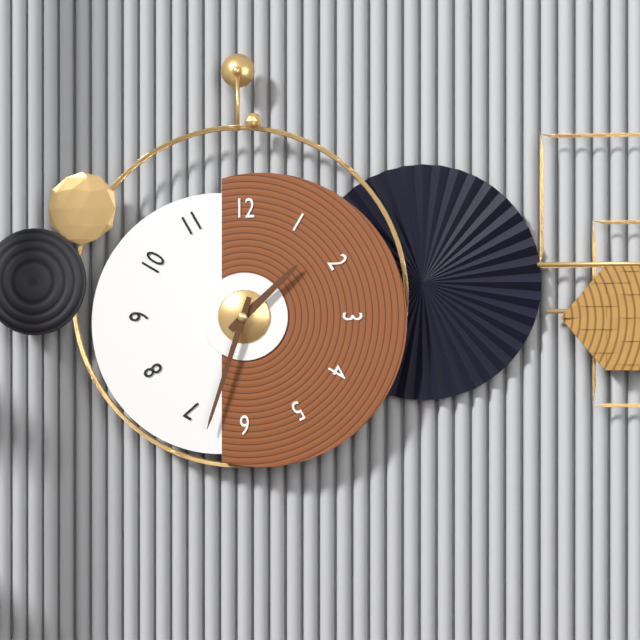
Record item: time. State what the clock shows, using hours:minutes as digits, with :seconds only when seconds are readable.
1:33
